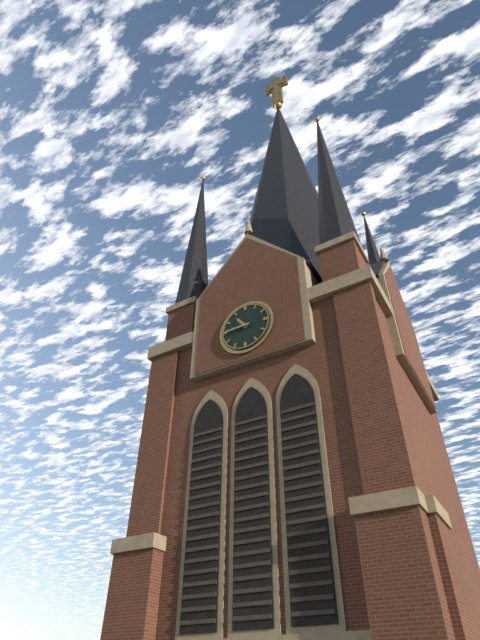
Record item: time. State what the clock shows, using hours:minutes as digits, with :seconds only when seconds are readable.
10:45
